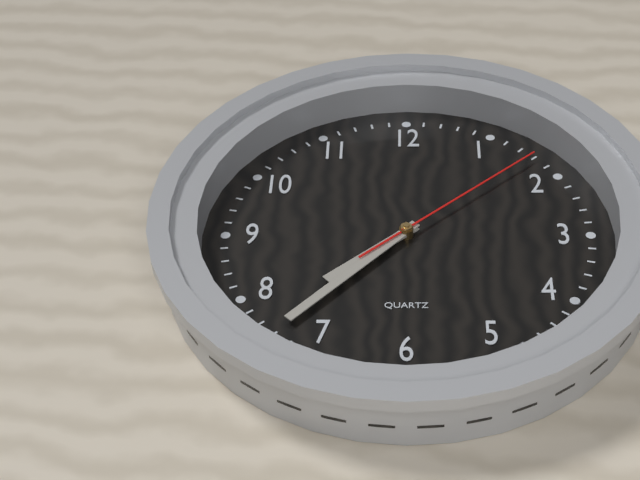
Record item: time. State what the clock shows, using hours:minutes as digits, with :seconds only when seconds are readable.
7:37:08
